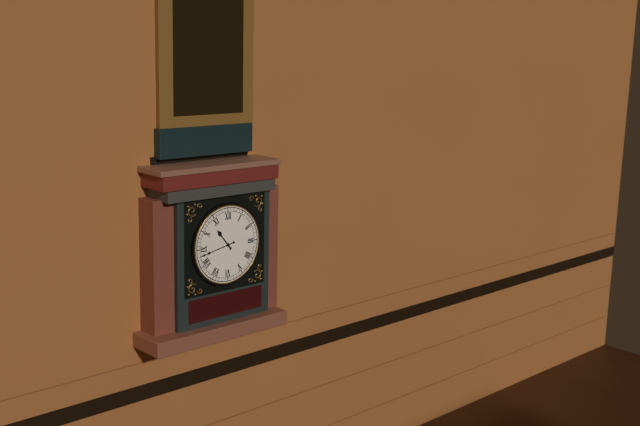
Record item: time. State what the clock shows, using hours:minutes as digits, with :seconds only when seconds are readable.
10:43
